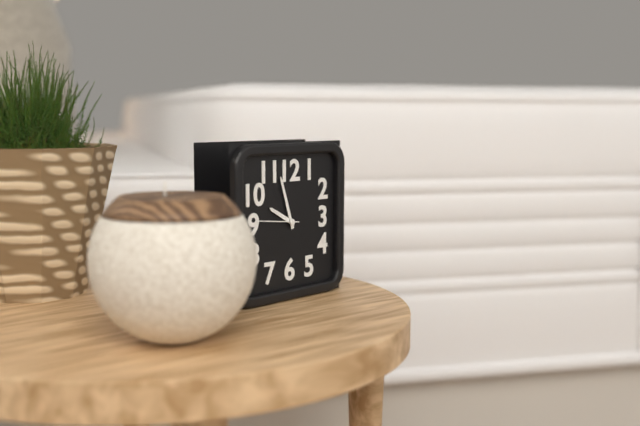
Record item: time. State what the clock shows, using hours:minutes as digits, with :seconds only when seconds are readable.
9:57
